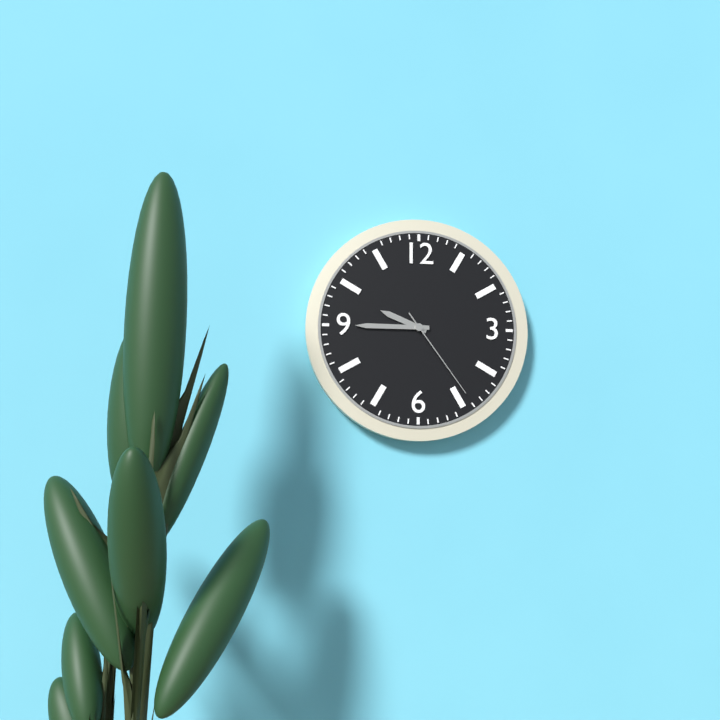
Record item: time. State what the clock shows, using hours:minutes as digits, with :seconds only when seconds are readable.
9:45:24
